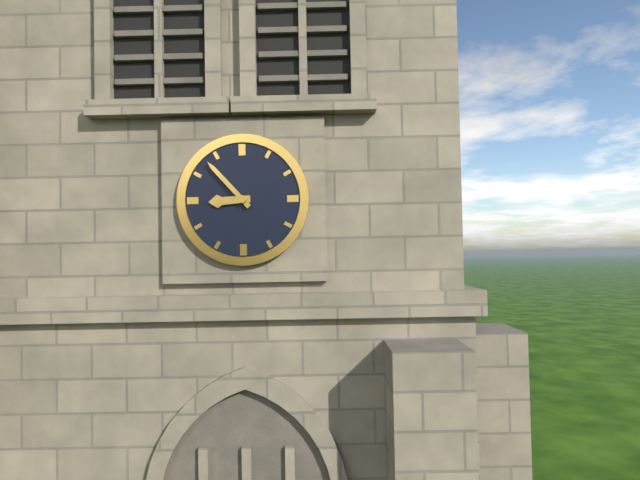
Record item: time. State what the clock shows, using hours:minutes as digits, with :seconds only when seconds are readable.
8:53
